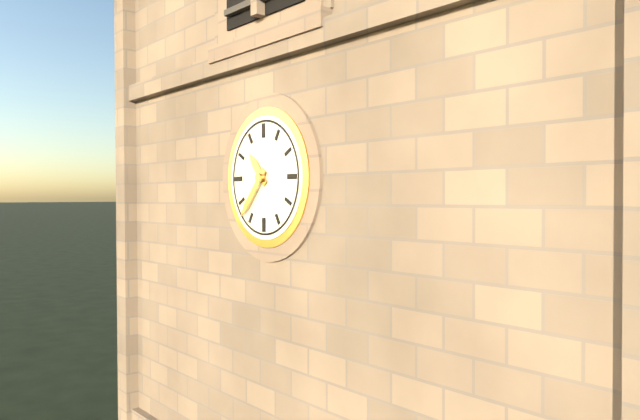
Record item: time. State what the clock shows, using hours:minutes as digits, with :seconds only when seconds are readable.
10:37
